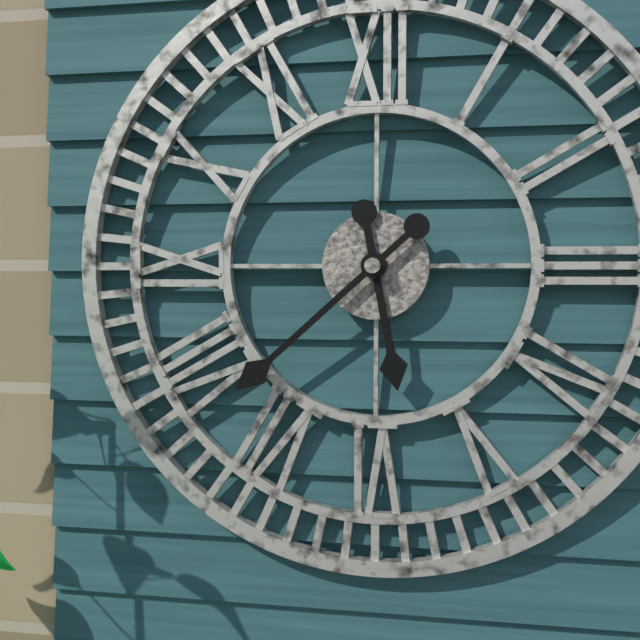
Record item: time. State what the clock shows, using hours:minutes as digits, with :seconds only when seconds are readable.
5:38
